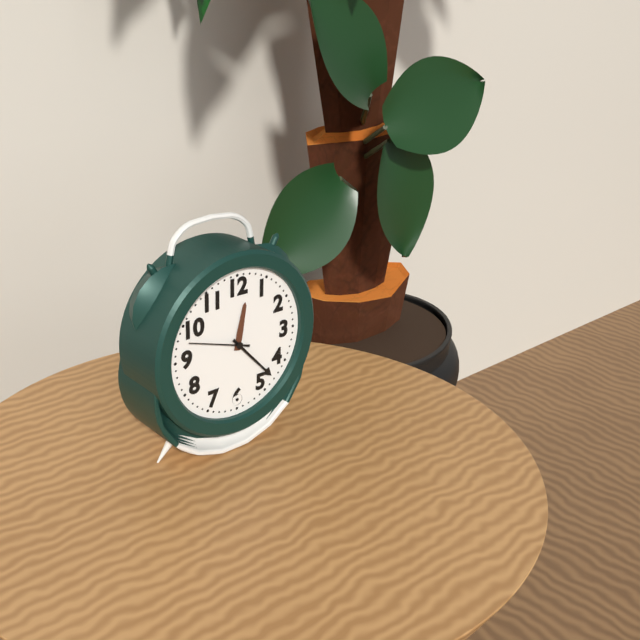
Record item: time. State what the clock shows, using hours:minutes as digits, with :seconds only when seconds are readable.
12:23:48
